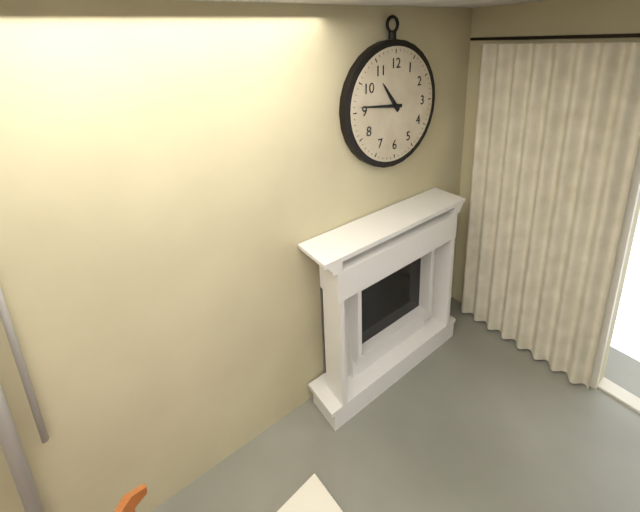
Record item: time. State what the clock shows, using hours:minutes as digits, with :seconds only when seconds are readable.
10:46
